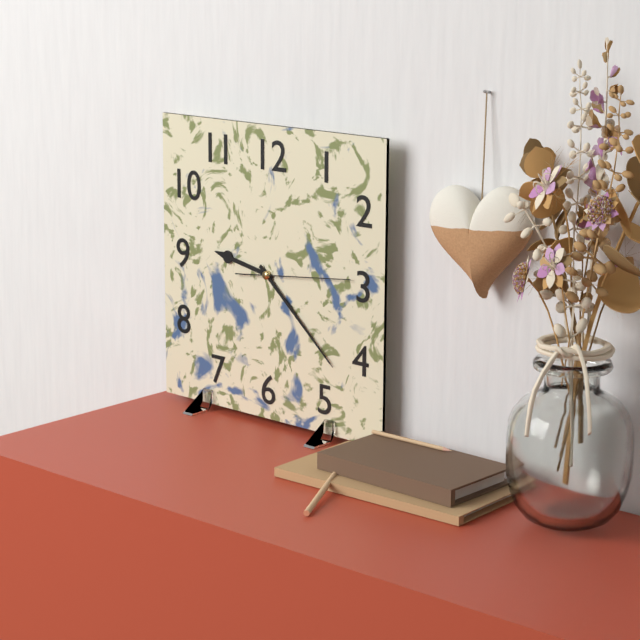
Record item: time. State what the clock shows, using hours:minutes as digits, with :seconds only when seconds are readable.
9:22:14
